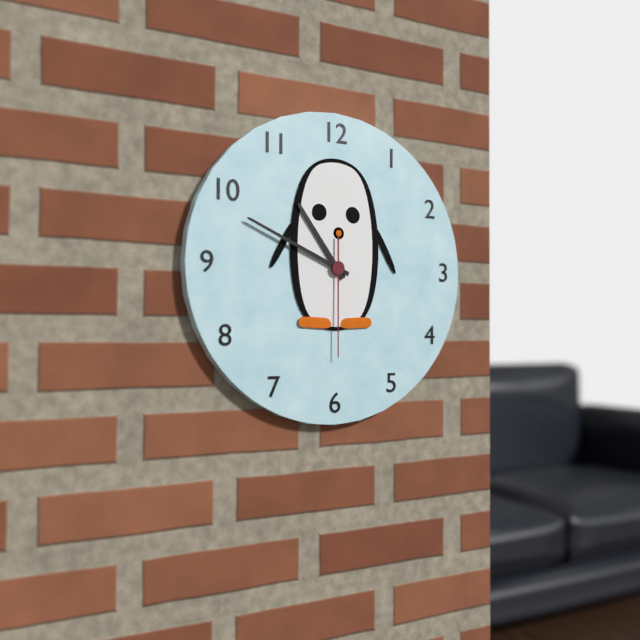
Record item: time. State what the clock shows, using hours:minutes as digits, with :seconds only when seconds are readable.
10:49:30
